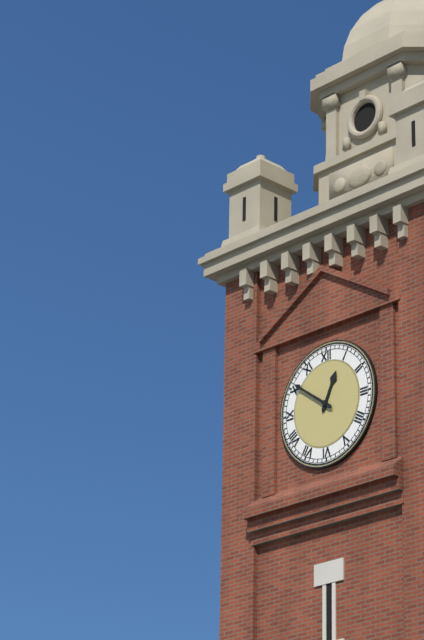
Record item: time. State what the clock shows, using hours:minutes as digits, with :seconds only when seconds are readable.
12:51
